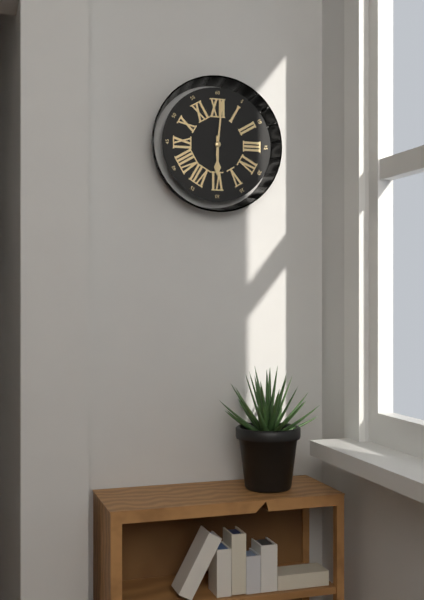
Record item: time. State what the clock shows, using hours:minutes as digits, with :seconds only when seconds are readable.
6:01
